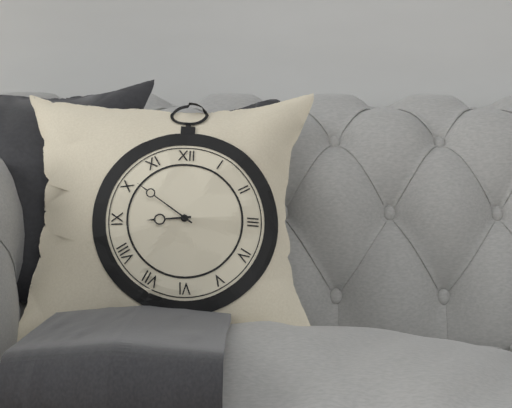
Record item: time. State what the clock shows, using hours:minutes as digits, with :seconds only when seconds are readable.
8:51
